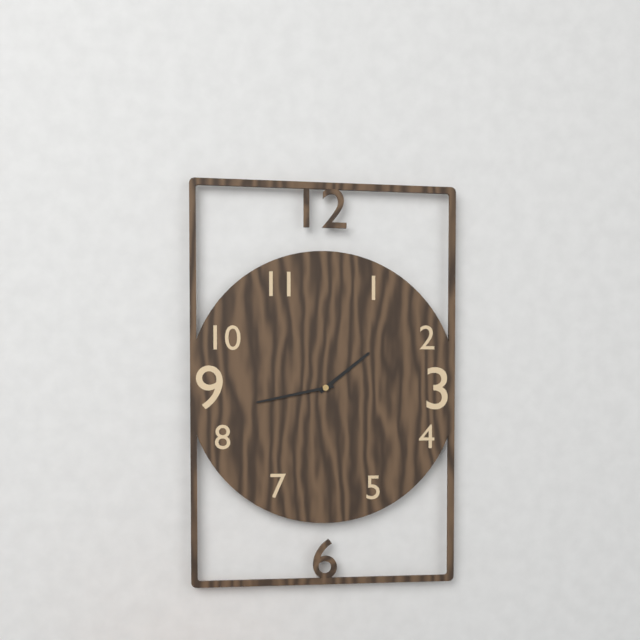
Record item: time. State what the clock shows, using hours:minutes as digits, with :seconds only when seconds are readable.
1:43
